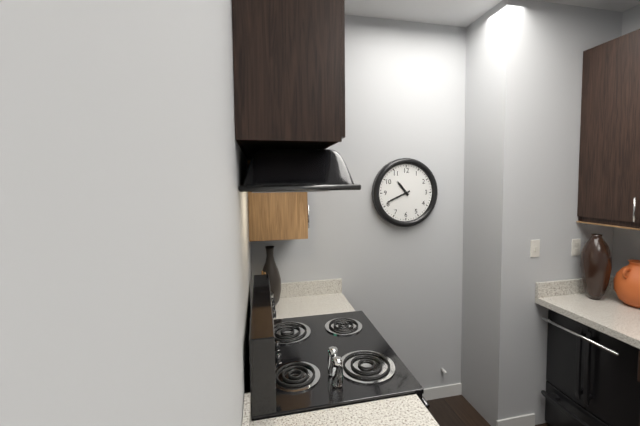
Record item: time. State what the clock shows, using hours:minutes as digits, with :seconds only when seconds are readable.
10:41
